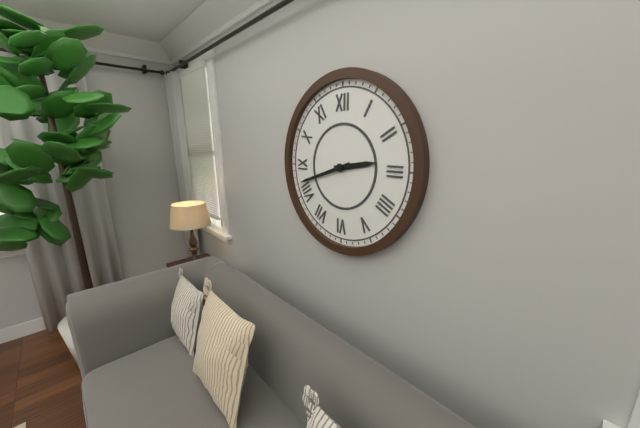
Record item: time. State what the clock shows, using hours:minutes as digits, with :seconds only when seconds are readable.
2:42
